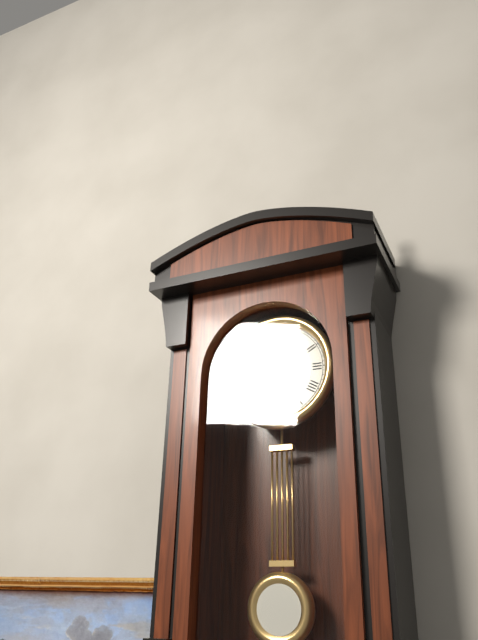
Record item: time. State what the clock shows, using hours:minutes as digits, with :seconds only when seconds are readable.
5:01
